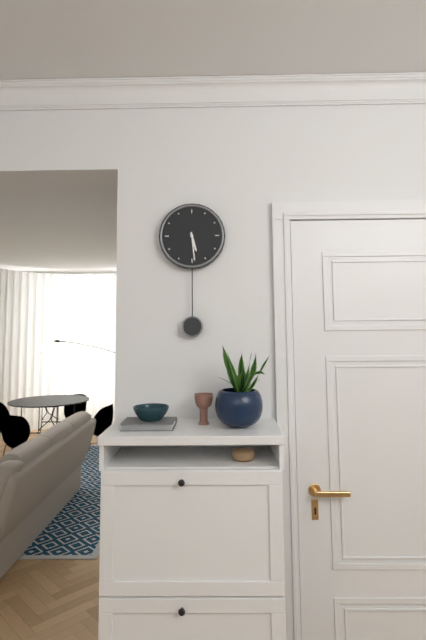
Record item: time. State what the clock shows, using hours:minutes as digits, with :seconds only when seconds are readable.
5:29
